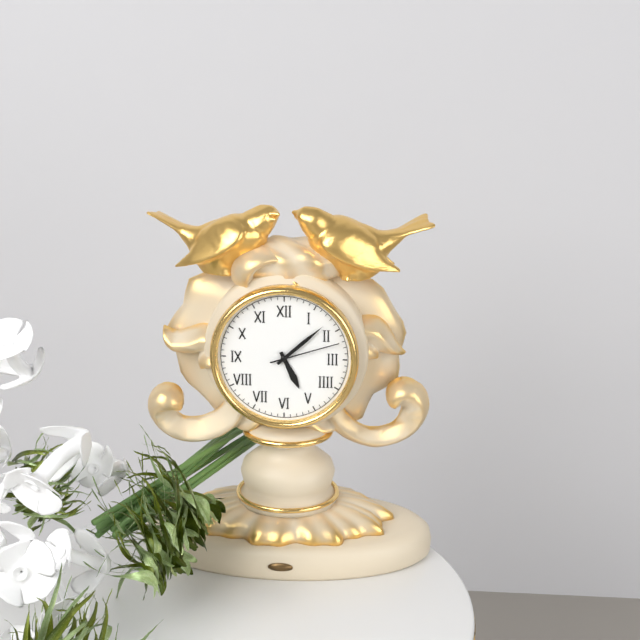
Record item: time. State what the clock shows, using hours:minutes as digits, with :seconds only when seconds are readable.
5:08:12
